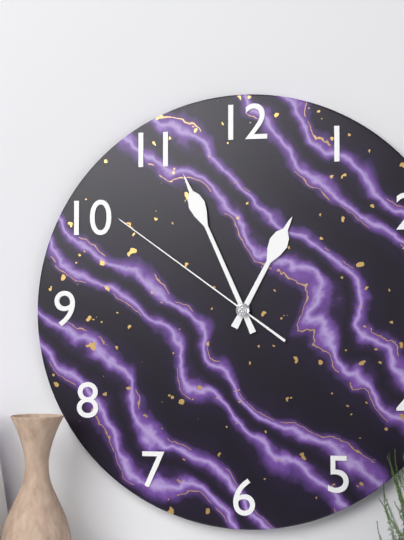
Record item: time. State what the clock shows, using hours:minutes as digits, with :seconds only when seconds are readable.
12:56:51
